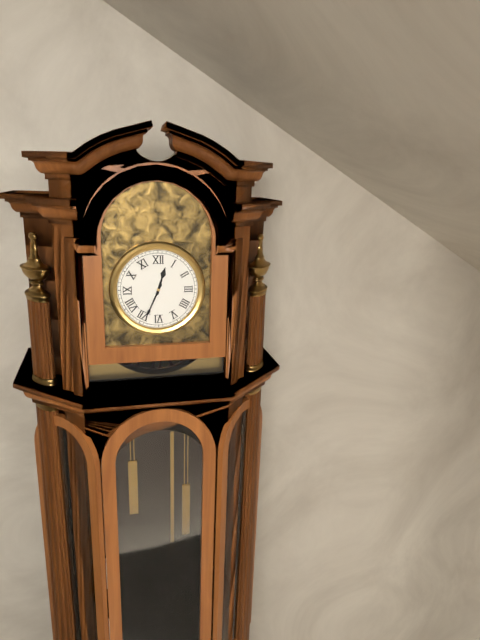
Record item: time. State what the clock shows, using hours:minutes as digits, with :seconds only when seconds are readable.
12:34
